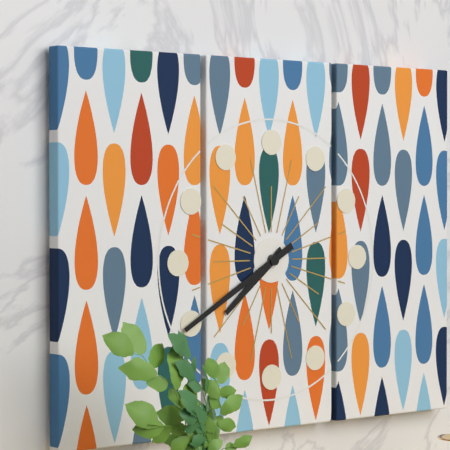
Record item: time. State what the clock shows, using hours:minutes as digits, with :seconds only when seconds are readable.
7:40
